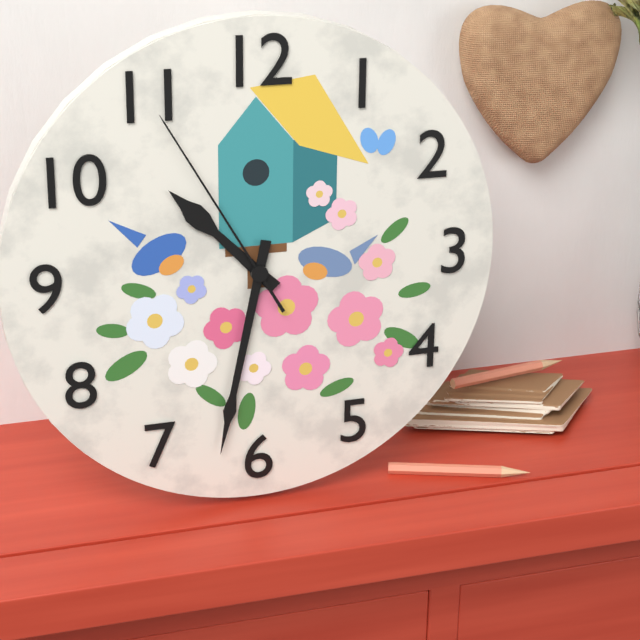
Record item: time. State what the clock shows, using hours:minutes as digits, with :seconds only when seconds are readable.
10:32:55
